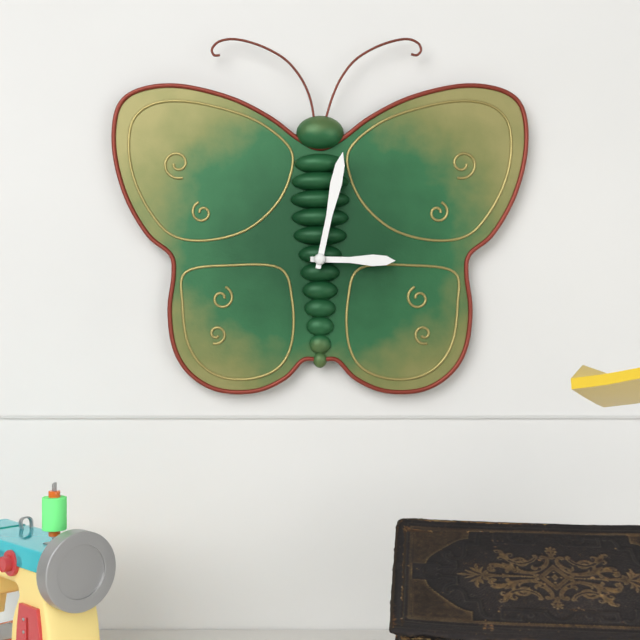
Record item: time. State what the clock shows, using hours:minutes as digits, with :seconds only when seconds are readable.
3:02
